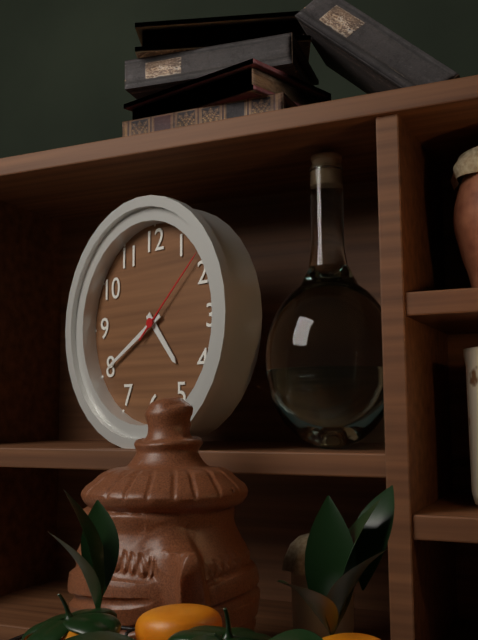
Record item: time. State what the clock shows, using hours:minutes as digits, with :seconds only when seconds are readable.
4:40:08
